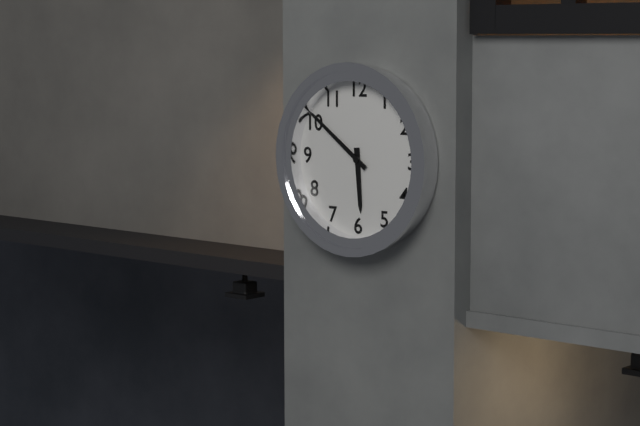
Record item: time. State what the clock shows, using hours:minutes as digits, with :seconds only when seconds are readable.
5:51
